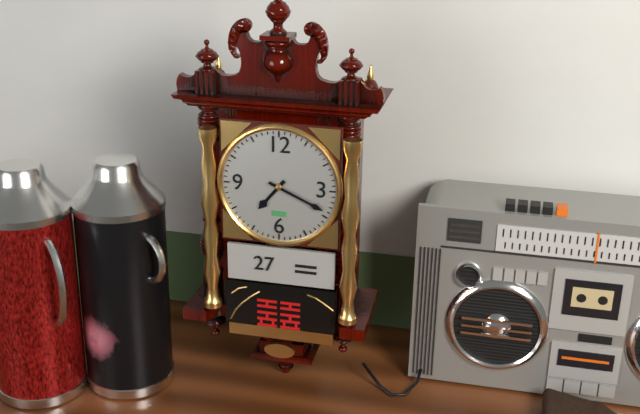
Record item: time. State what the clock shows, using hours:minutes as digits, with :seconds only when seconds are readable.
7:19
